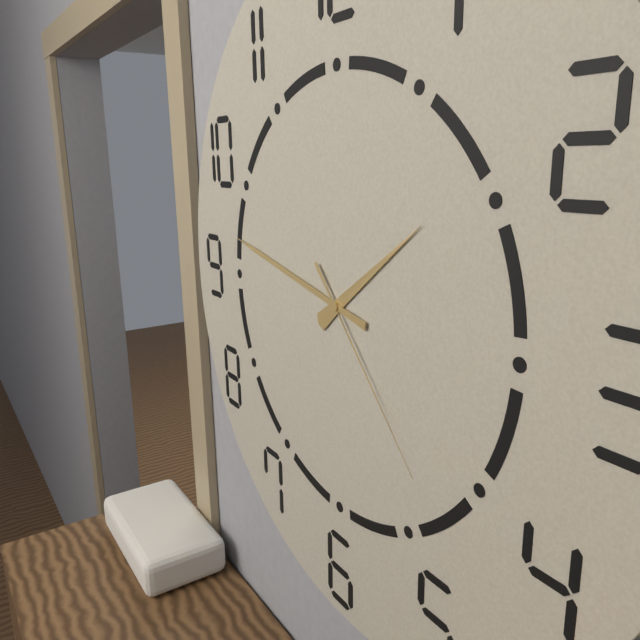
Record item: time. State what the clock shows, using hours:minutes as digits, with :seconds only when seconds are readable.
1:47:23
